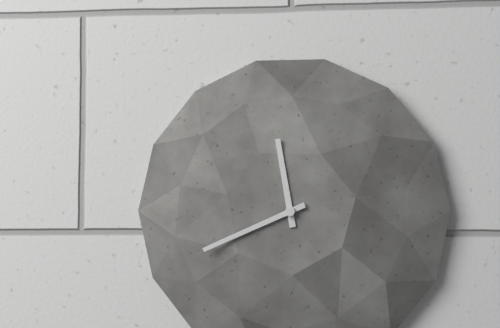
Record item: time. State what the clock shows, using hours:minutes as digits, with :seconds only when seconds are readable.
11:41
